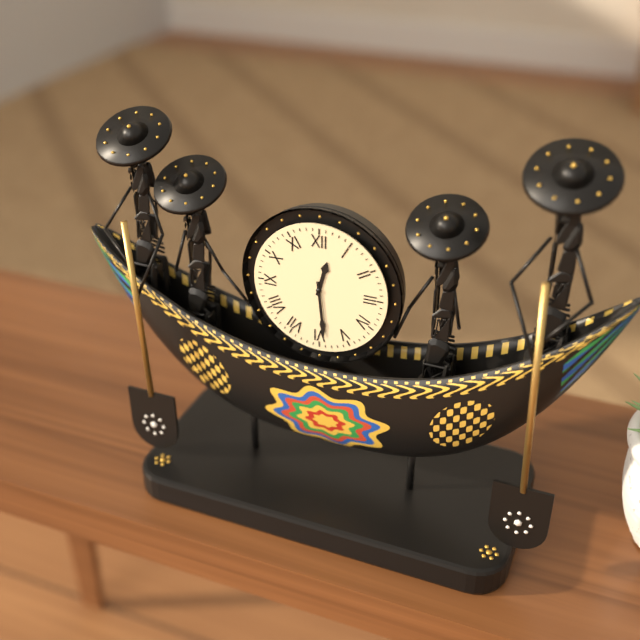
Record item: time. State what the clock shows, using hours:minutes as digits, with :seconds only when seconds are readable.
12:29
